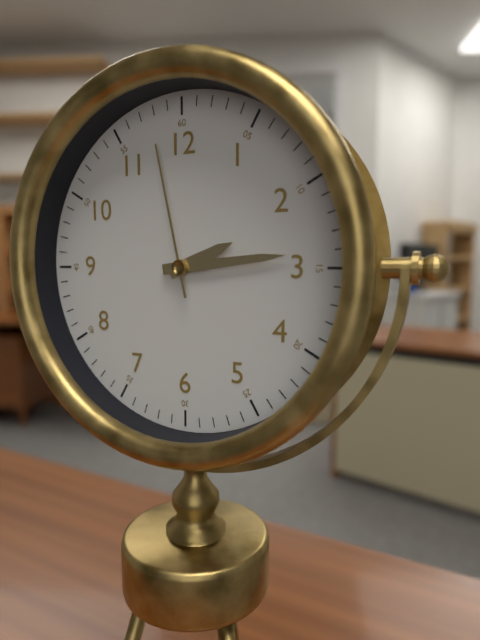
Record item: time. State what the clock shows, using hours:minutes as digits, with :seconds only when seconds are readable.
2:14:58
